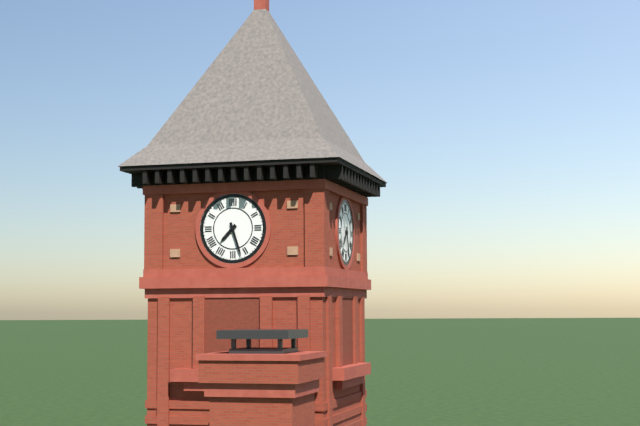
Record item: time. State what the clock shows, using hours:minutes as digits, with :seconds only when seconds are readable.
7:27
